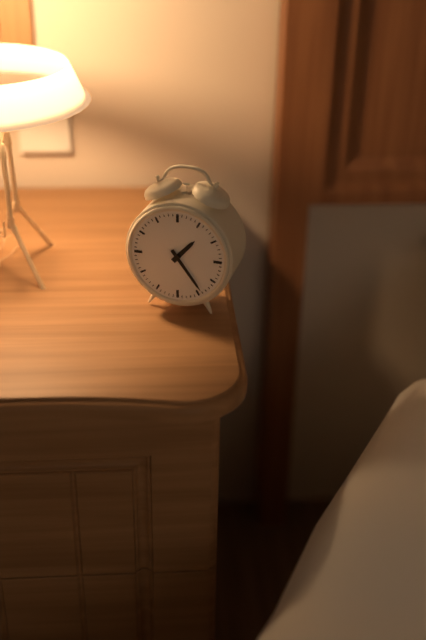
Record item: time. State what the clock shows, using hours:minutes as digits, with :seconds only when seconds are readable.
1:24
